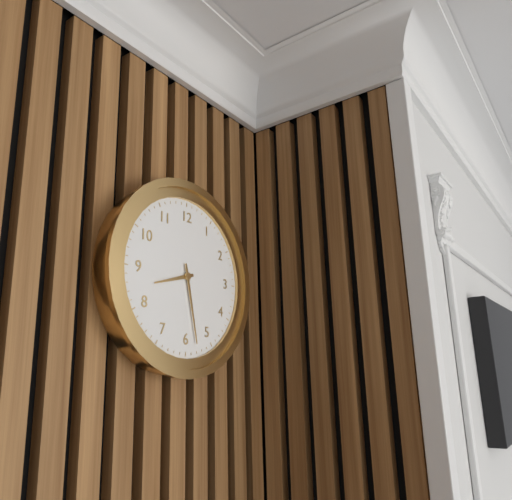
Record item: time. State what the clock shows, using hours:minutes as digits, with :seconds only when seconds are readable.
8:28
